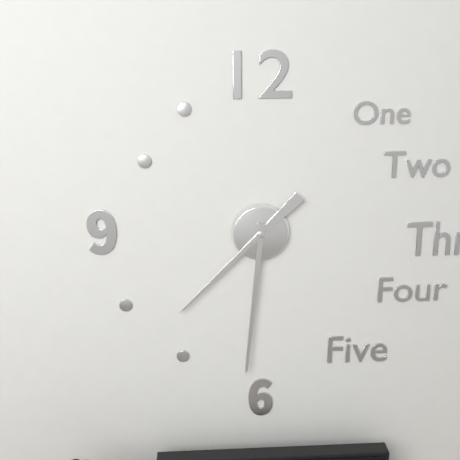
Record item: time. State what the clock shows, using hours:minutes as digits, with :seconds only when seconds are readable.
7:31
